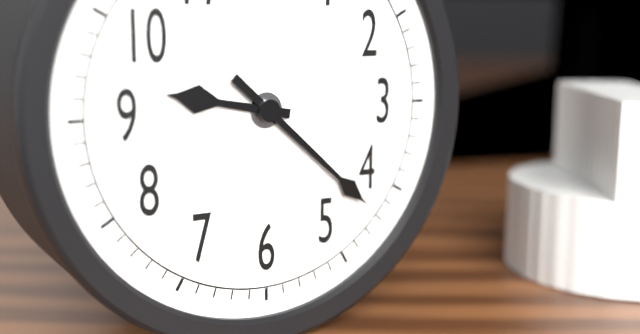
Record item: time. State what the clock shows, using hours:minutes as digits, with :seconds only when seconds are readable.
9:22
